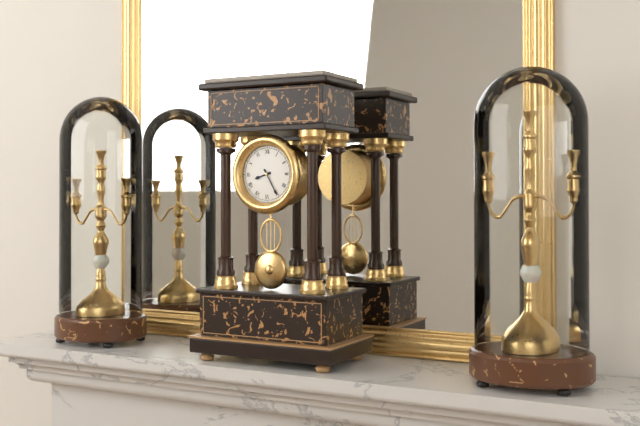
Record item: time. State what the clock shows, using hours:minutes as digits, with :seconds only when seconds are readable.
8:25
